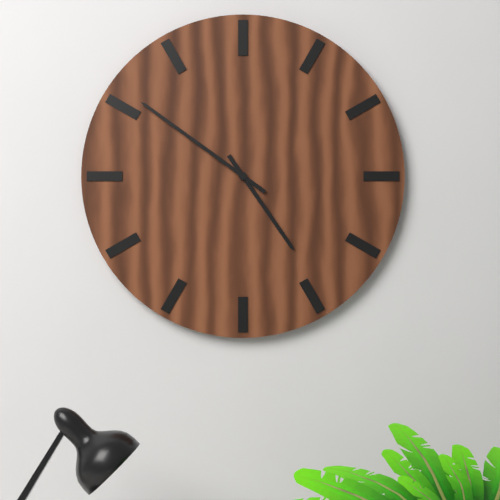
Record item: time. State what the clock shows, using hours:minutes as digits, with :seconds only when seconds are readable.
4:51
